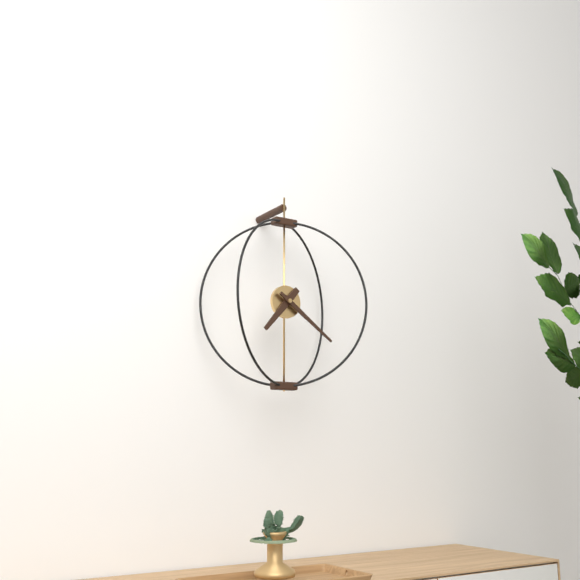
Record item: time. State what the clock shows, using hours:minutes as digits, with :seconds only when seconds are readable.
7:21
